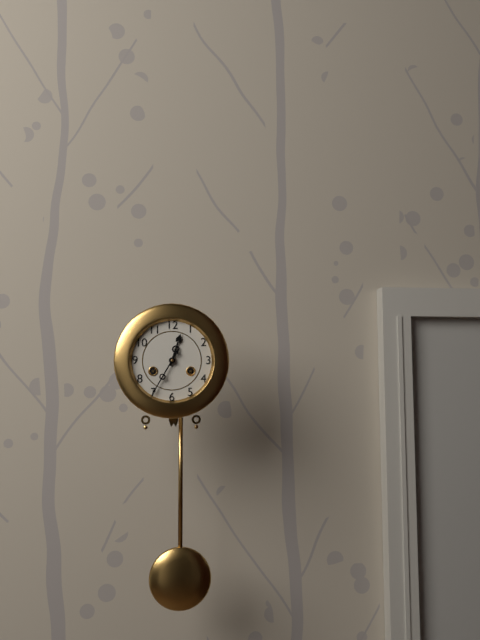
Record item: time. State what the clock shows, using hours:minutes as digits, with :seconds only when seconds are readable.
12:35
